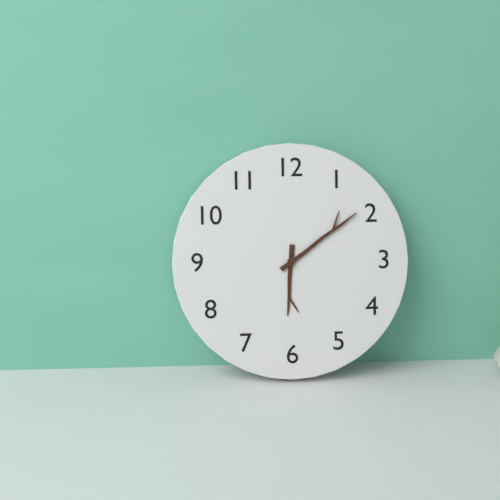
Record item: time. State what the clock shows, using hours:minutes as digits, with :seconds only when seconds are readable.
6:09
